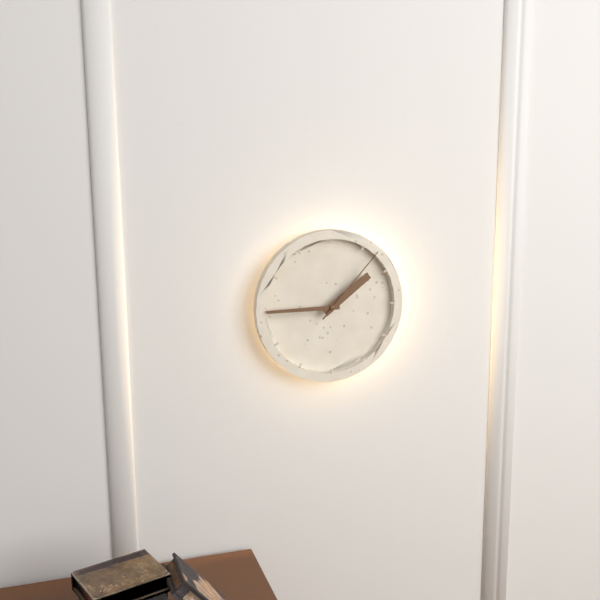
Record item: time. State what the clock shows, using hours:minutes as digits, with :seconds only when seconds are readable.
1:45:07
